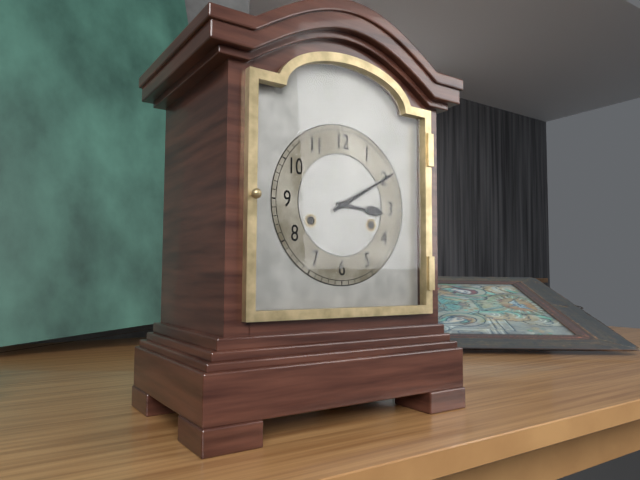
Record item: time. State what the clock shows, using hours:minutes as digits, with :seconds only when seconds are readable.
3:10
